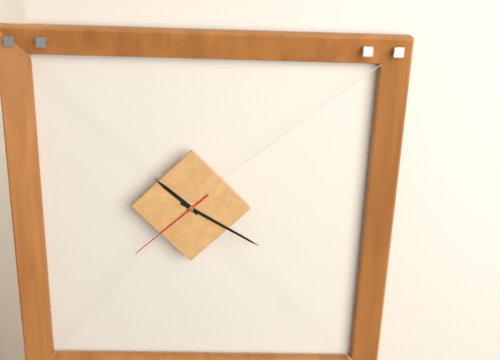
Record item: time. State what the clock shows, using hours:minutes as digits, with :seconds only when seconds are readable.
10:20:38
